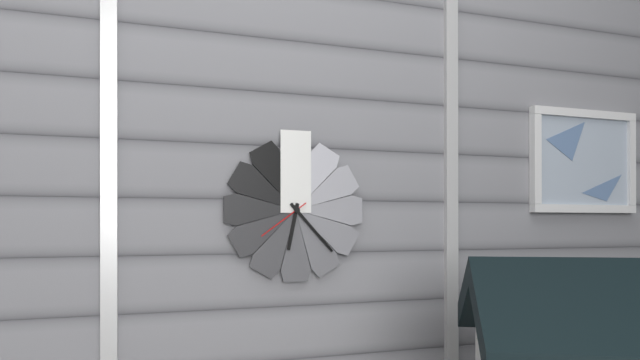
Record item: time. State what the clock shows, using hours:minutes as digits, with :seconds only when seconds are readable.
6:23:39
